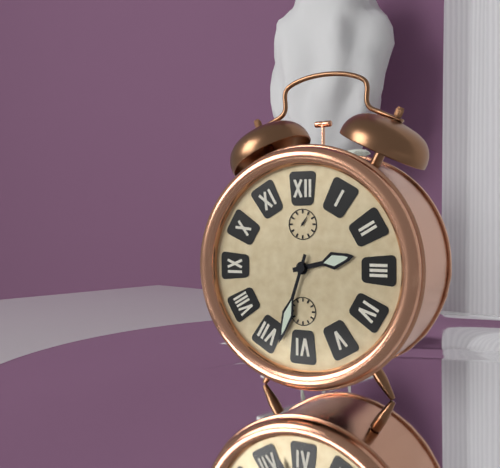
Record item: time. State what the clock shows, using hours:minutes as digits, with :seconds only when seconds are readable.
2:33
